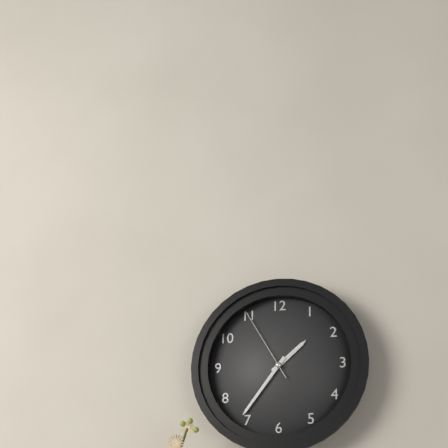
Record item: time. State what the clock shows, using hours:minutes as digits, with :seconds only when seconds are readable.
1:36:55
